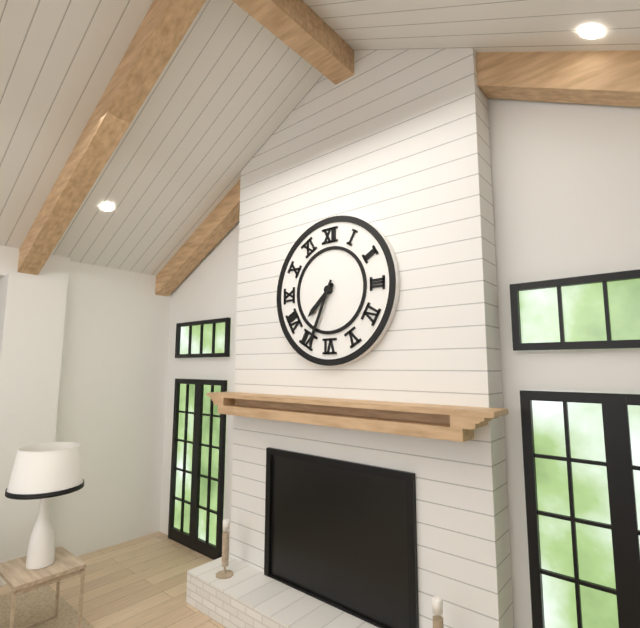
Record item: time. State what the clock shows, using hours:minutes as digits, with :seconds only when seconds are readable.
7:34
